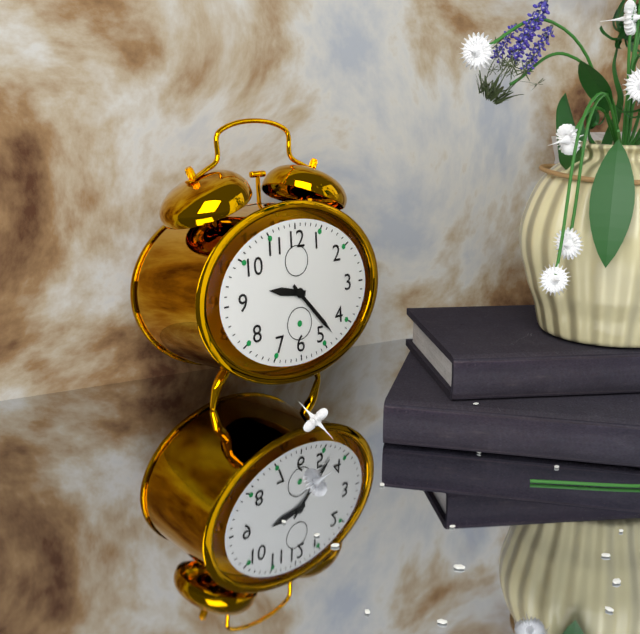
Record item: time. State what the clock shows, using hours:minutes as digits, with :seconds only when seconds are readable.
9:23
